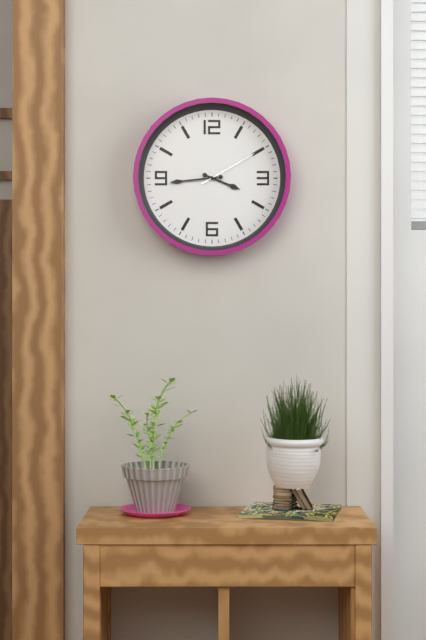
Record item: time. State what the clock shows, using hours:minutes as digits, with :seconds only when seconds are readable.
3:44:10
